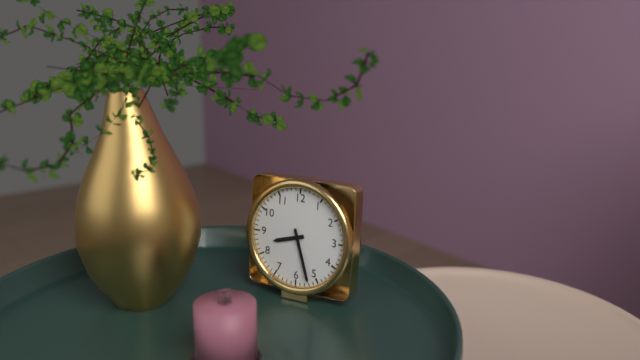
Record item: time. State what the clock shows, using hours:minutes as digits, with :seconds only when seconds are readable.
8:27
